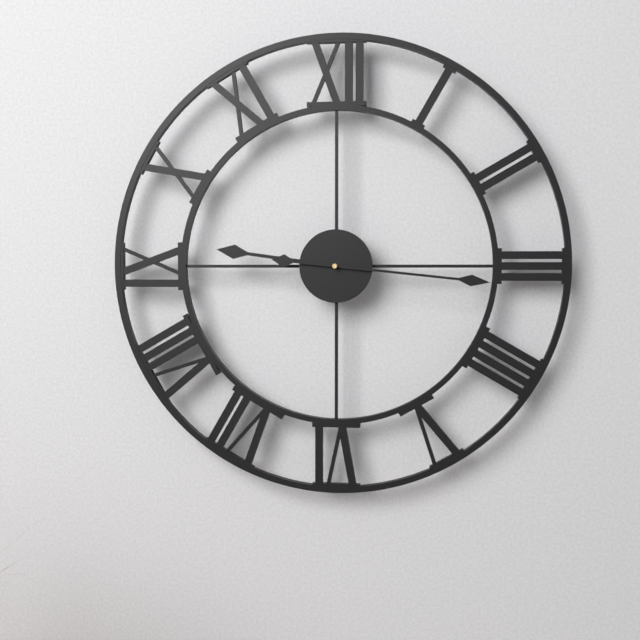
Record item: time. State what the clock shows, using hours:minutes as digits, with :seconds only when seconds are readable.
9:16
